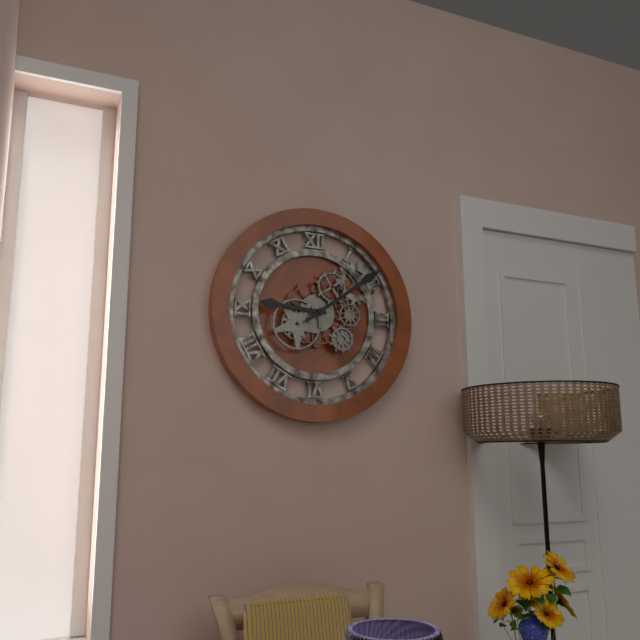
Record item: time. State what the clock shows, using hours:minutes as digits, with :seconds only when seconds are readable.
9:09
